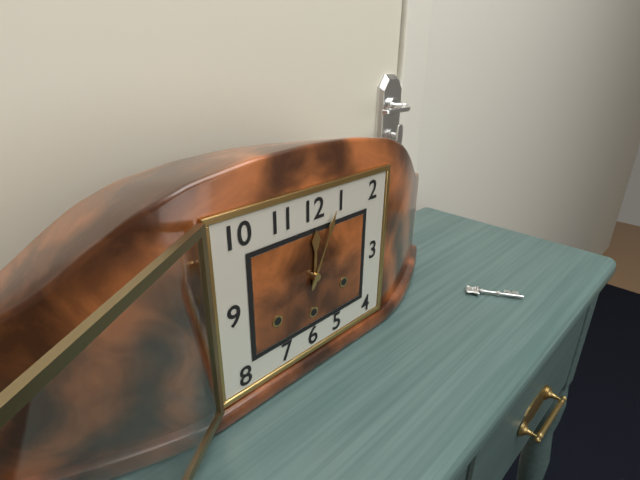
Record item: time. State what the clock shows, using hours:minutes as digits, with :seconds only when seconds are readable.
12:04
